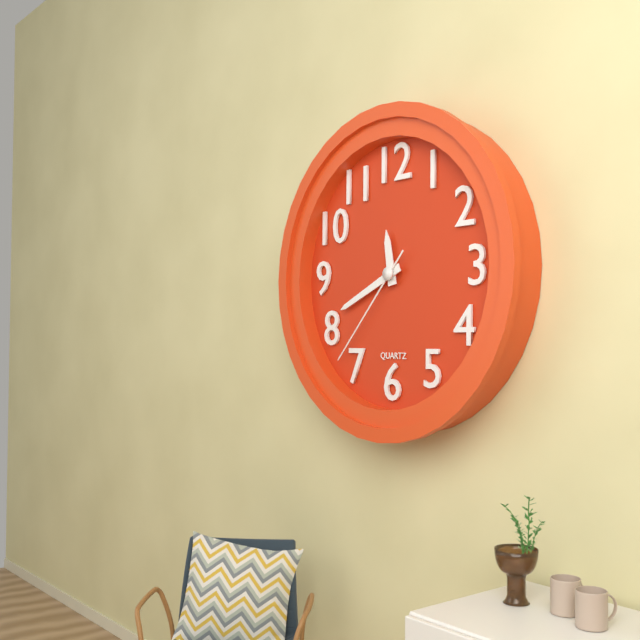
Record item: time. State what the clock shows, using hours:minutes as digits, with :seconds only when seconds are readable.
11:41:37
